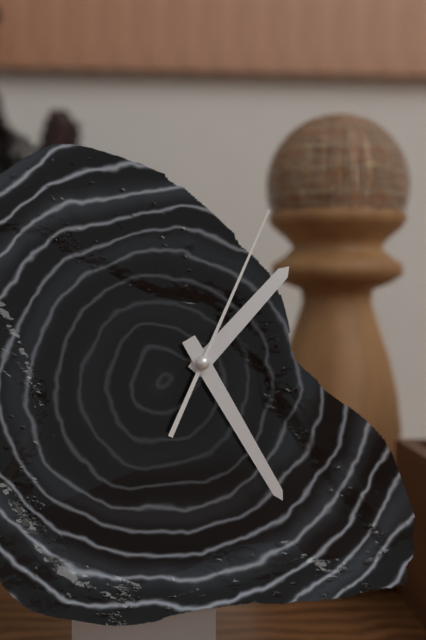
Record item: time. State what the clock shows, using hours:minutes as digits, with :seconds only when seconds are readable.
1:25:04
